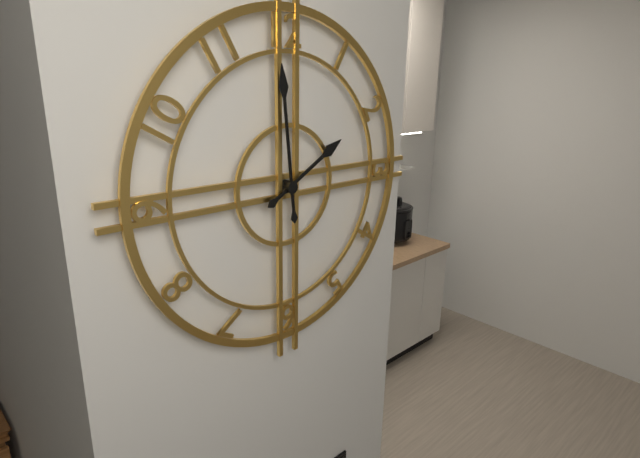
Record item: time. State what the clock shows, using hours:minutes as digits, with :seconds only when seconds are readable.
1:59
